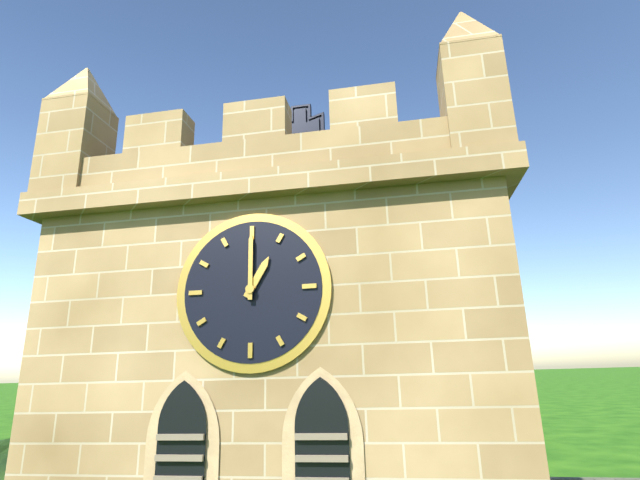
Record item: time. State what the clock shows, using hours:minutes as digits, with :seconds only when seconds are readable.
1:00
